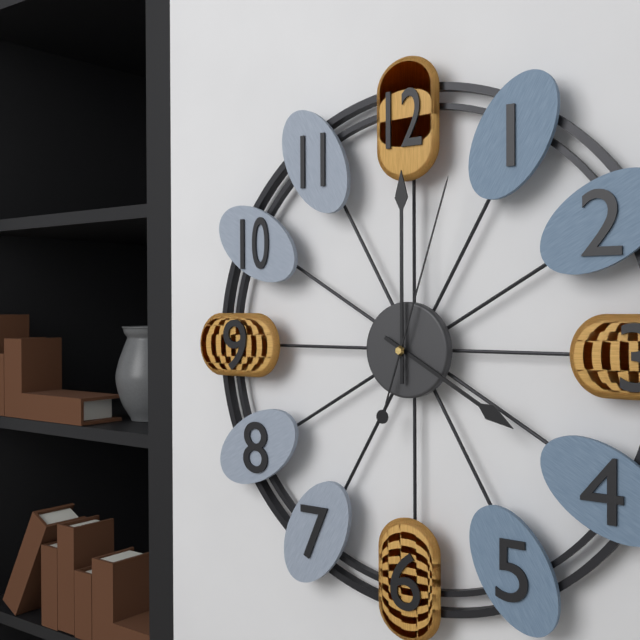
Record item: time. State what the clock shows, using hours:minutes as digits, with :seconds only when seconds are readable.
4:00:03
